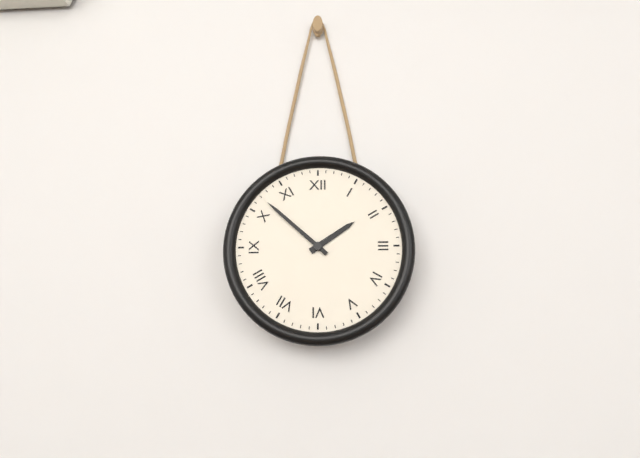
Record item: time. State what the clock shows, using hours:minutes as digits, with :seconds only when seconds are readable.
1:52
